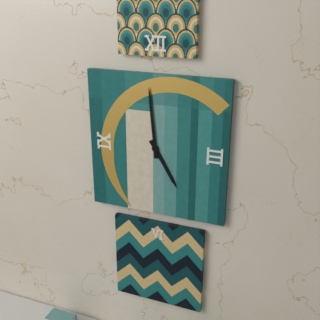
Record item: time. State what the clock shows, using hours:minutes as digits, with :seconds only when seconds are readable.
4:59
